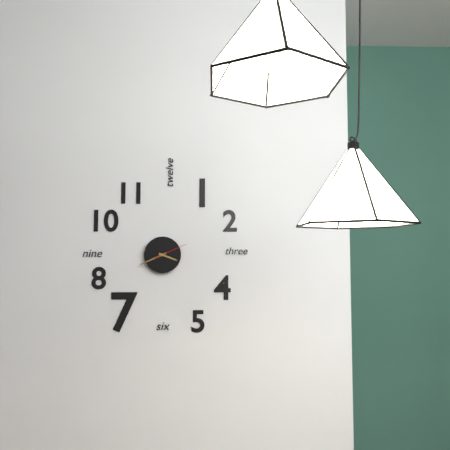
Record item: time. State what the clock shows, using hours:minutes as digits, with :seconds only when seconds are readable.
3:41
